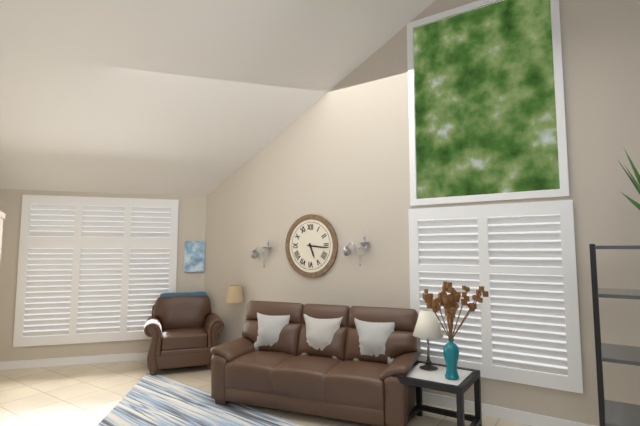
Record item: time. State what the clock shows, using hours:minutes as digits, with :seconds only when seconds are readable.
5:16
